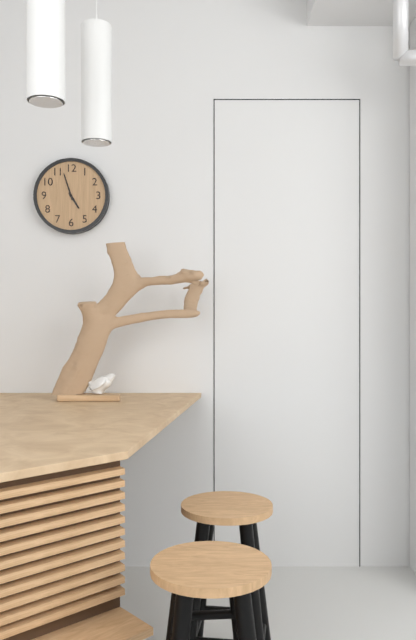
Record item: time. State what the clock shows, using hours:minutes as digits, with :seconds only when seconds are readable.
4:57
